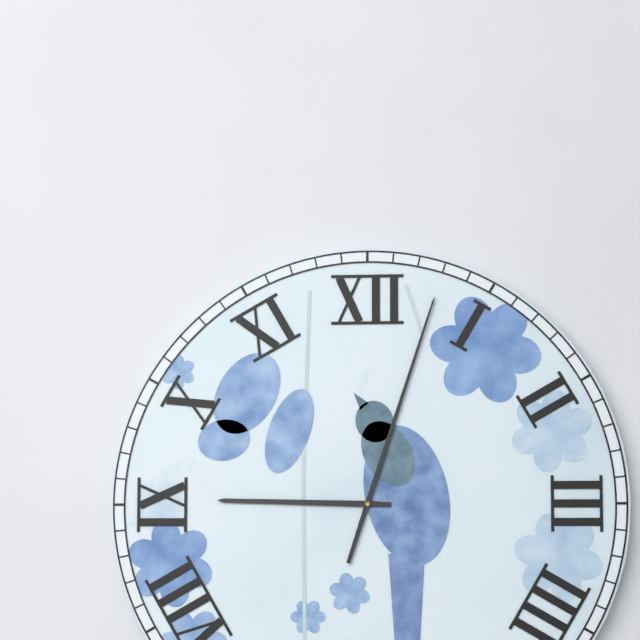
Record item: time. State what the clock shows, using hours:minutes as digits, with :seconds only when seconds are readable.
9:03
